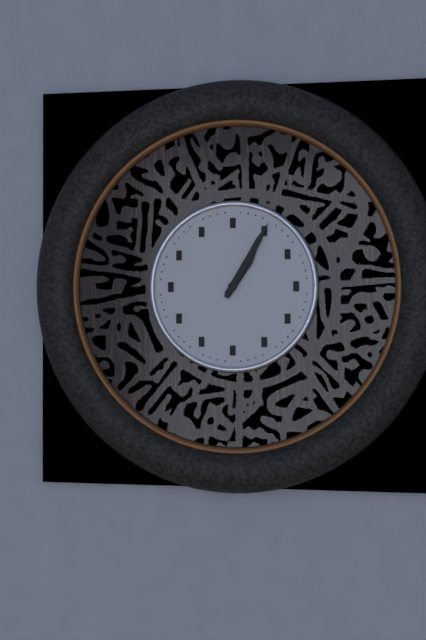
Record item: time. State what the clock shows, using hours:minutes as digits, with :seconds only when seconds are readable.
1:05
